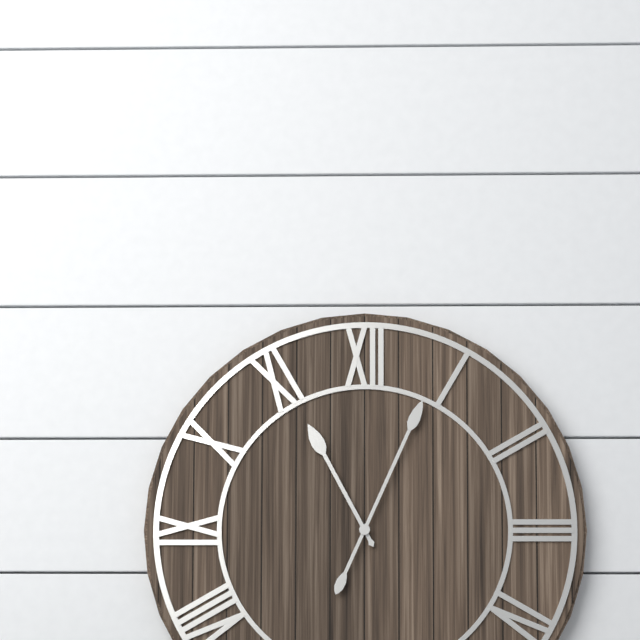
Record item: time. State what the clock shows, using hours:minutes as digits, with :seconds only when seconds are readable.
11:04
